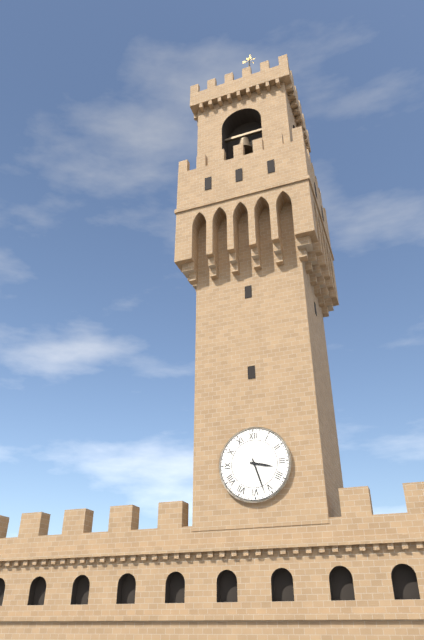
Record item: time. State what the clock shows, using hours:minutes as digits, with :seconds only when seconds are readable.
3:27
